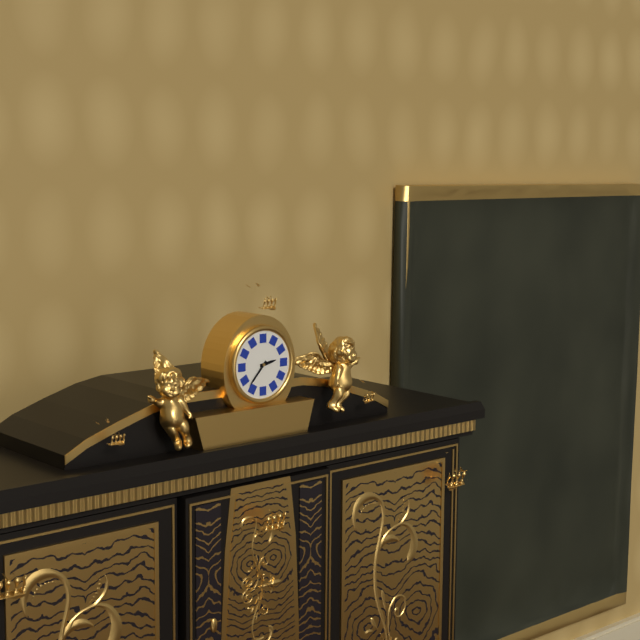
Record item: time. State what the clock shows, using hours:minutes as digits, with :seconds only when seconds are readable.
2:37
